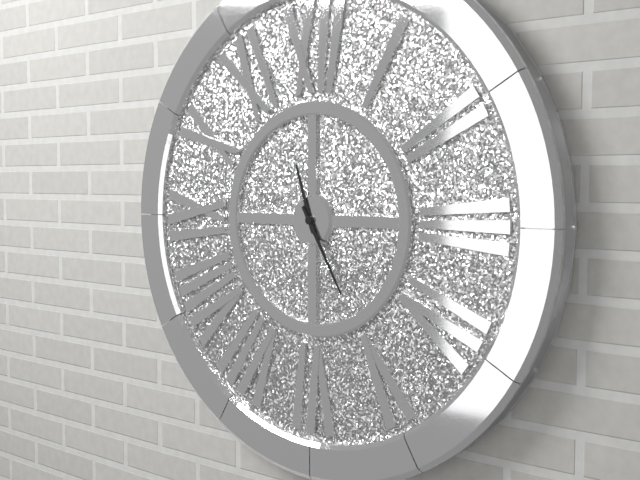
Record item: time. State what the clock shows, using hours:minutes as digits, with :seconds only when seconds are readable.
11:25
